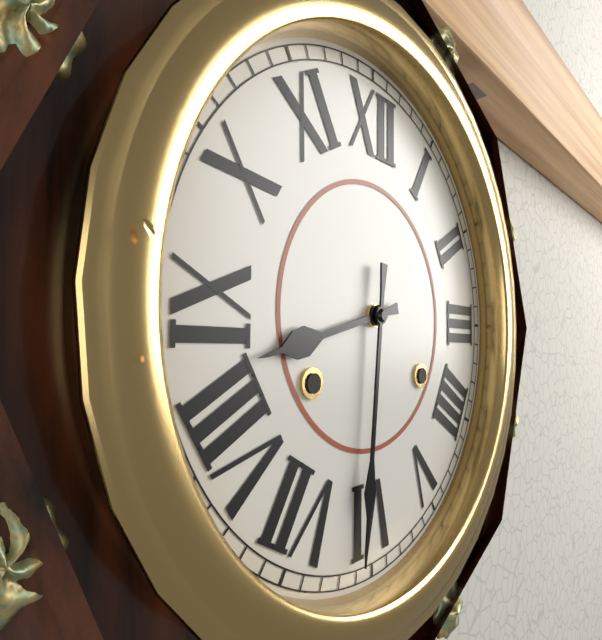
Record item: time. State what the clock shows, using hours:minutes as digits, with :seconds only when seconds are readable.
8:31
